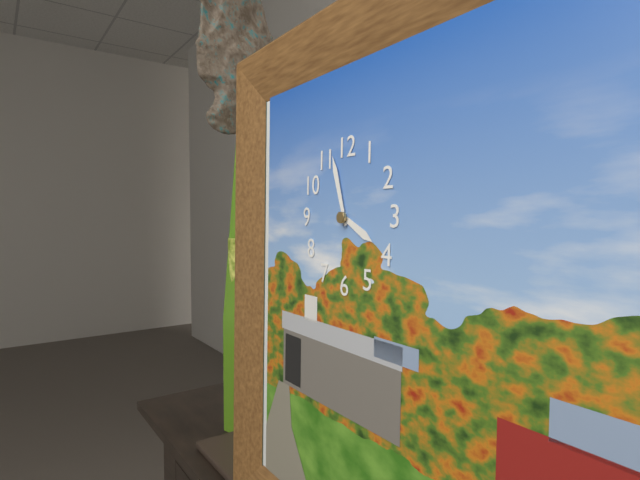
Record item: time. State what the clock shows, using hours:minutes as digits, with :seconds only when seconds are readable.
3:57
